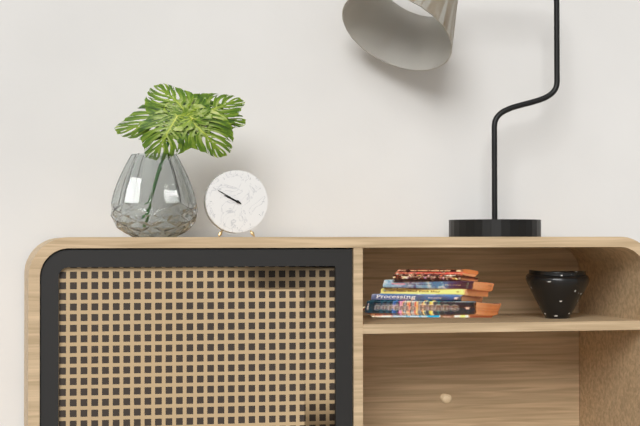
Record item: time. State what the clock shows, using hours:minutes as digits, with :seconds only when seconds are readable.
9:50
